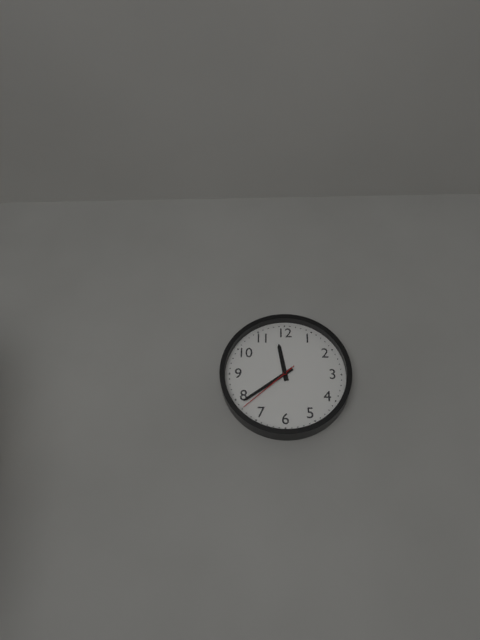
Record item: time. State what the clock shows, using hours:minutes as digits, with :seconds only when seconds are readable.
11:39:38
